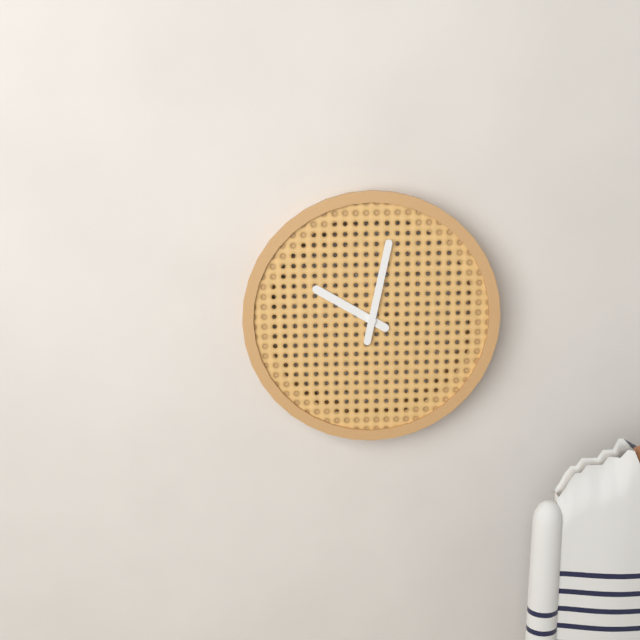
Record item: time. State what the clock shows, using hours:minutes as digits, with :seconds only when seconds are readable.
10:02
